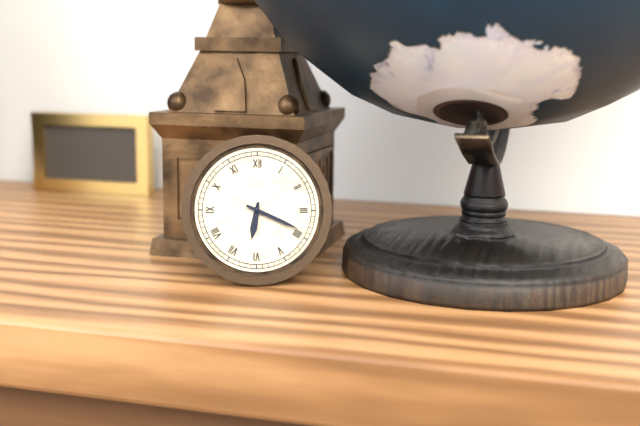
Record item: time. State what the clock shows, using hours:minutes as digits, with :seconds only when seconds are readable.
6:19
